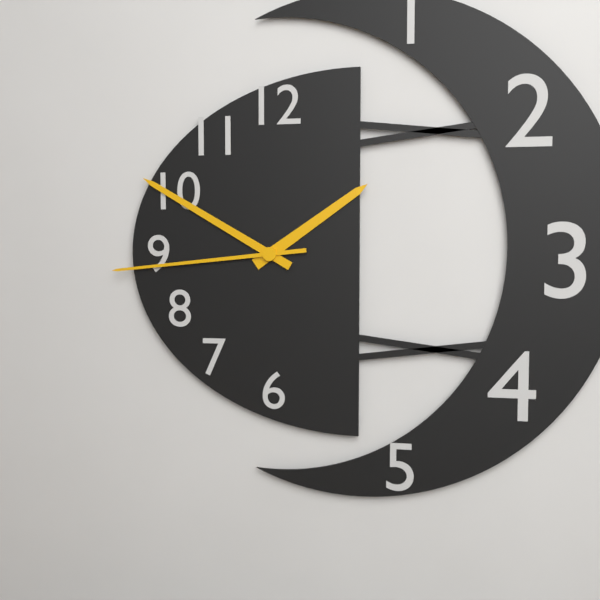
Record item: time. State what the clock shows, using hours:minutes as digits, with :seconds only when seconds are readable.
1:50:44
